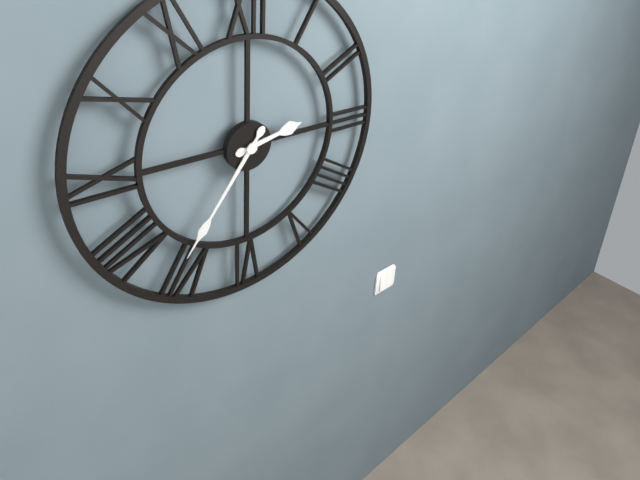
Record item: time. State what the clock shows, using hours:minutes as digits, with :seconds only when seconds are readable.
2:36
